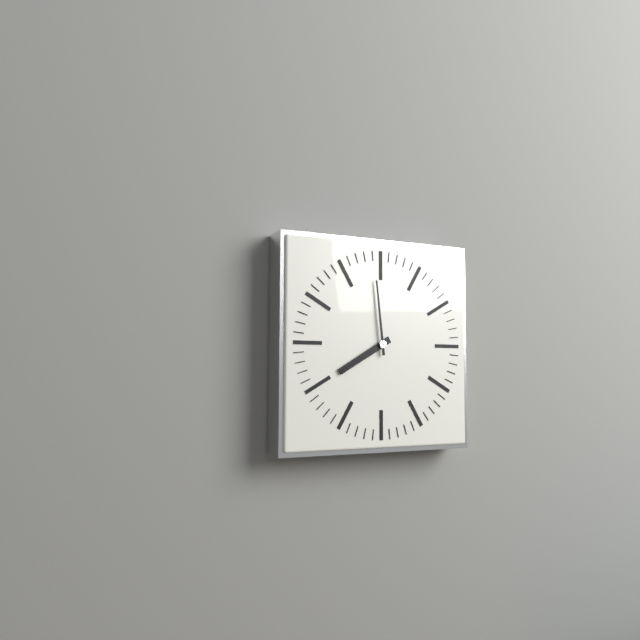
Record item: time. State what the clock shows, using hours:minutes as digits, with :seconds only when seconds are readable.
7:59
